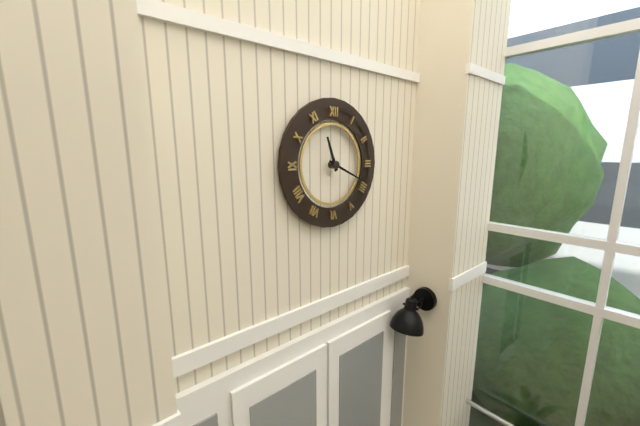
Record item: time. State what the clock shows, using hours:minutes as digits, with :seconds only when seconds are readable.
11:19
